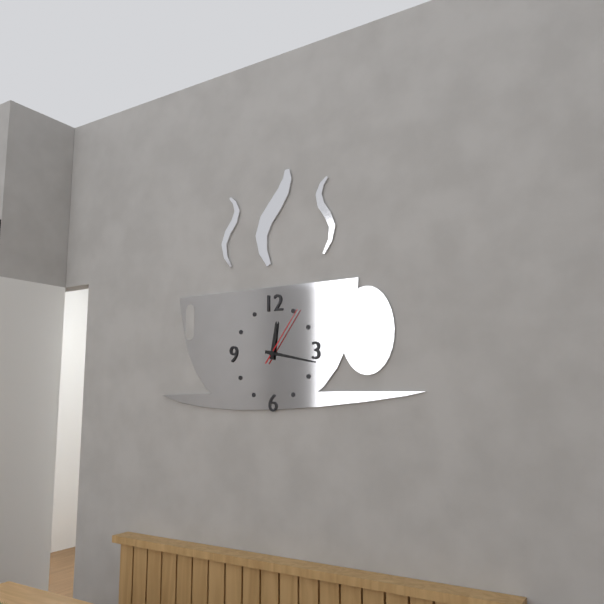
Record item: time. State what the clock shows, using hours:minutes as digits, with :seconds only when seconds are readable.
12:17:06
